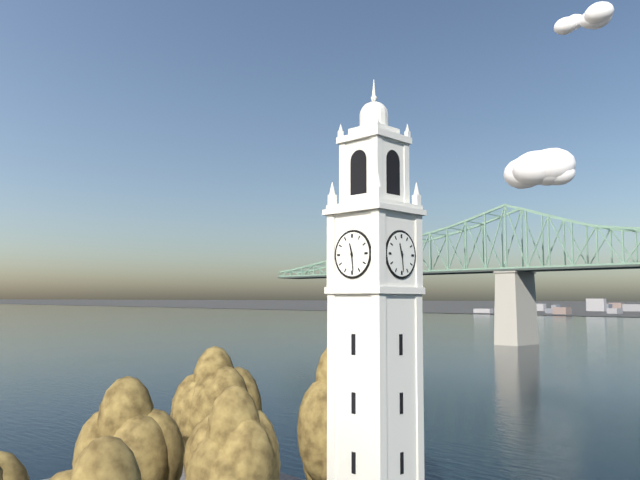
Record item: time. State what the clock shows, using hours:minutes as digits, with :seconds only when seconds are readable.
11:29
